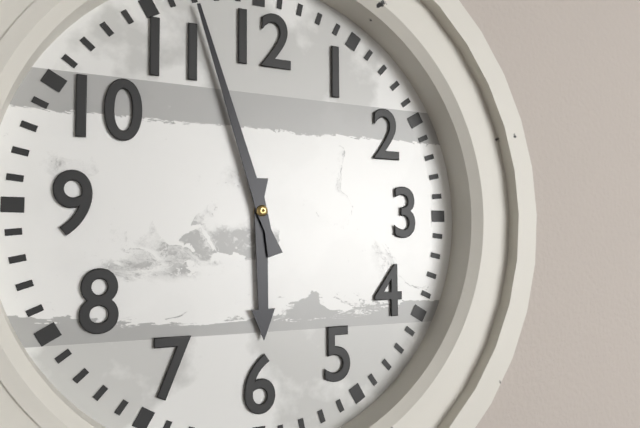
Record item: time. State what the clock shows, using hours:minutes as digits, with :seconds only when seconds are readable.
5:57
